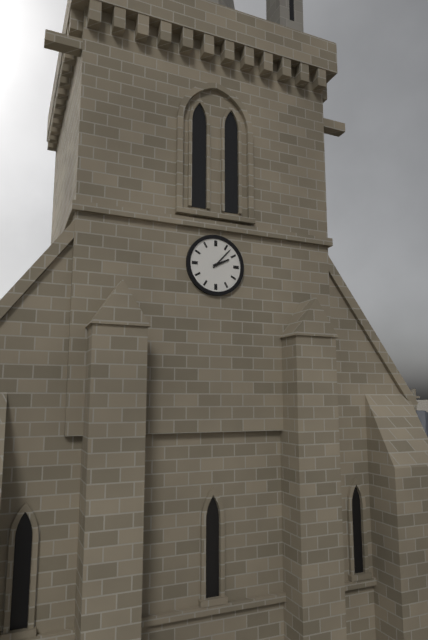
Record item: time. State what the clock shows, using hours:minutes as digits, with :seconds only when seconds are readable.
2:07
